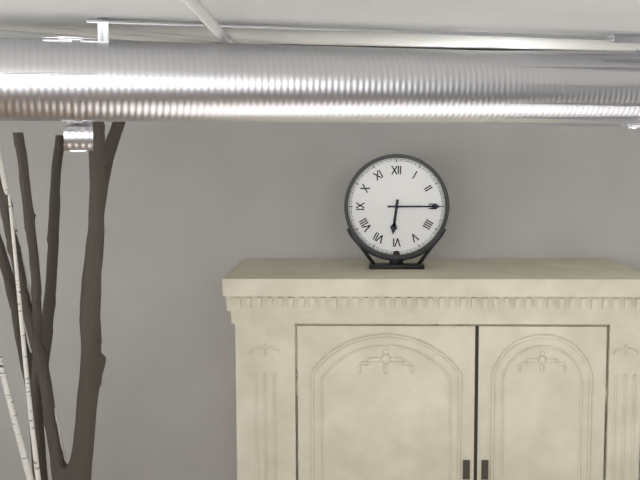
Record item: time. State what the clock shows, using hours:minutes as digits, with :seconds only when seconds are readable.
6:15
